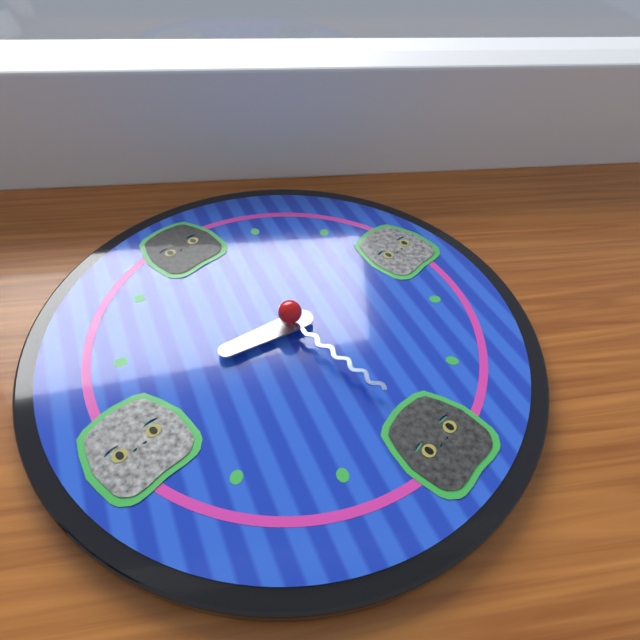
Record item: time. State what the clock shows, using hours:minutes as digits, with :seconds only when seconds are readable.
9:30
